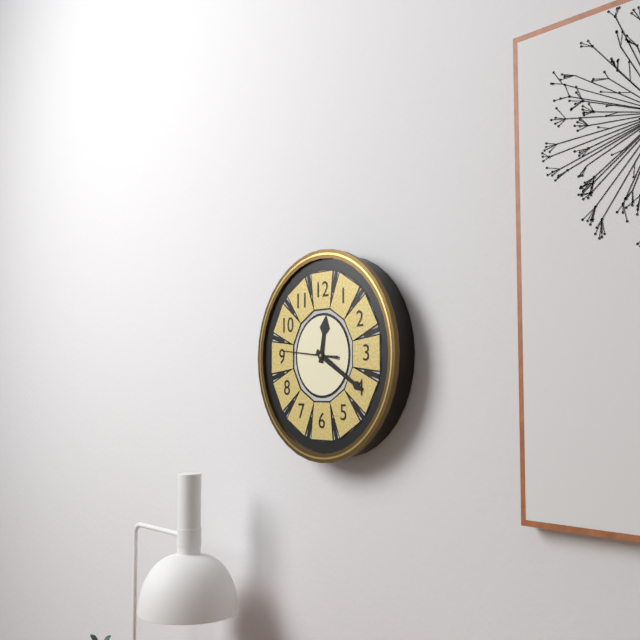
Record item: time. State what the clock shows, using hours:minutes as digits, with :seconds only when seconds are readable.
12:20
